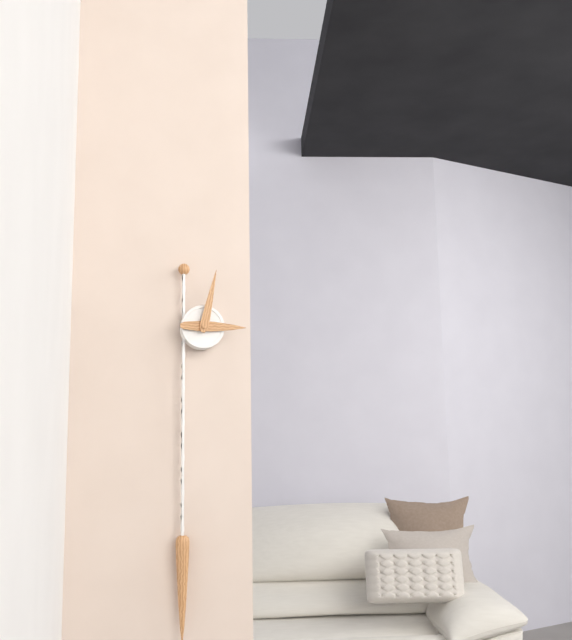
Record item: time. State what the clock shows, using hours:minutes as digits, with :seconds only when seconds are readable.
3:02
